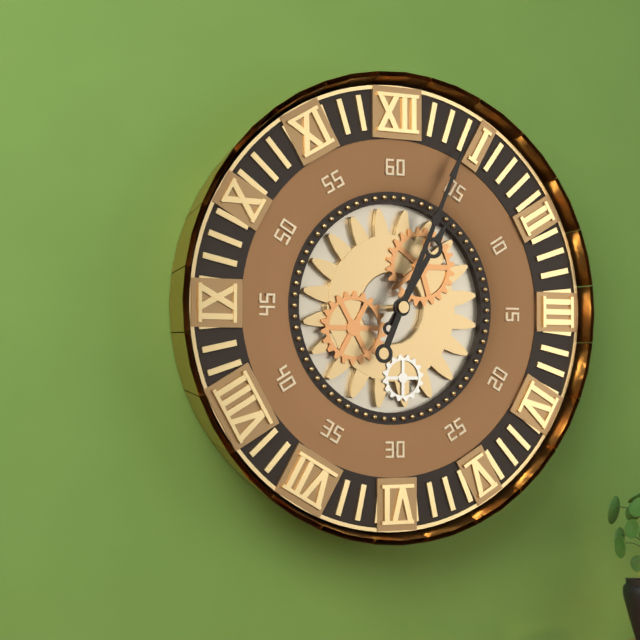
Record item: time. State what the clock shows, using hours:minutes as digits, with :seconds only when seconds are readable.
1:04
